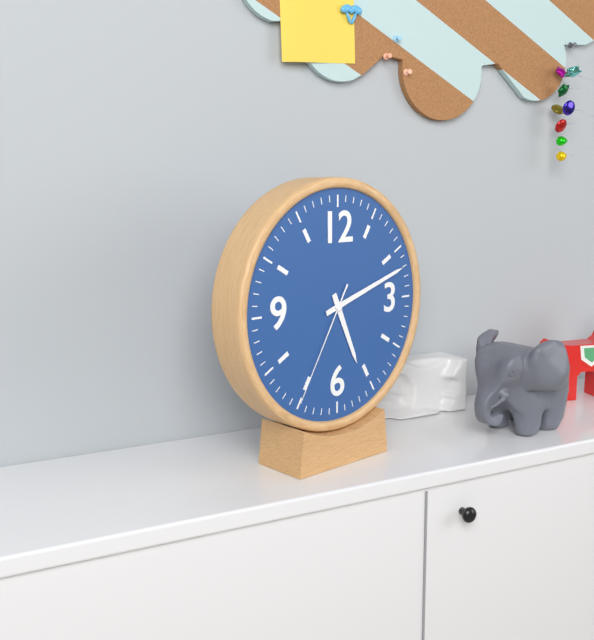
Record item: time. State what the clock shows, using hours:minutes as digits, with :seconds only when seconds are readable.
5:12:35
